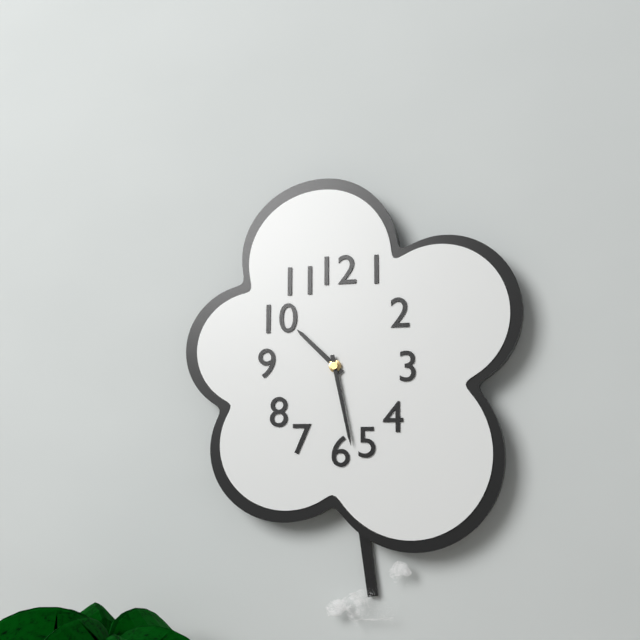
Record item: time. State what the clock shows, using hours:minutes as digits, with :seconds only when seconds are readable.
10:28
